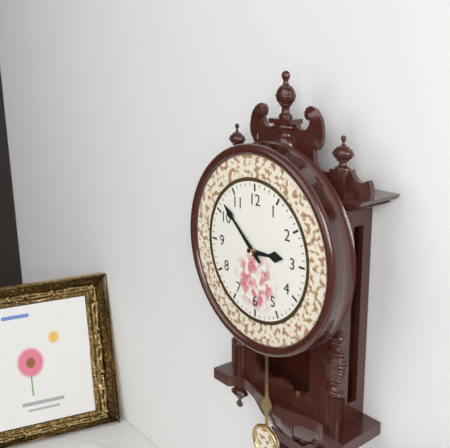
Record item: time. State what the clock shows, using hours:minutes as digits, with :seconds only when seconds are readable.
2:52
